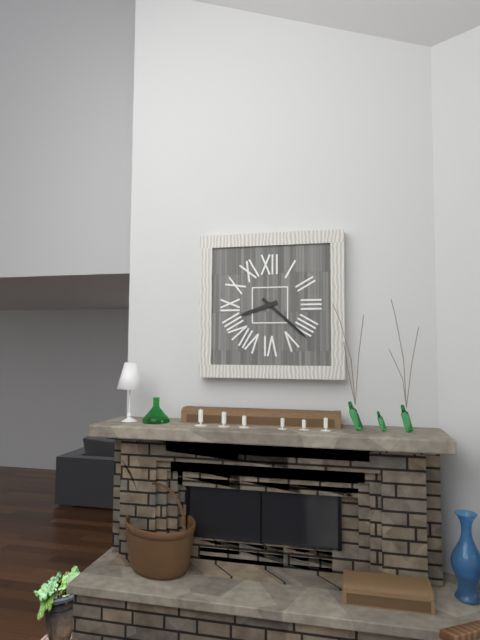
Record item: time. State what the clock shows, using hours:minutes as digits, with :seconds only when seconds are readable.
8:22
